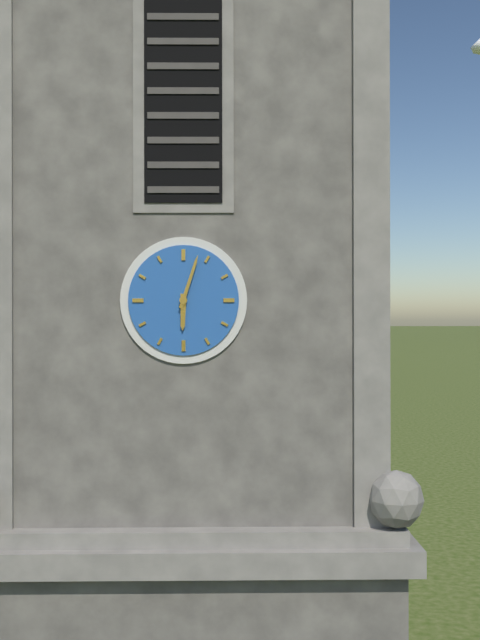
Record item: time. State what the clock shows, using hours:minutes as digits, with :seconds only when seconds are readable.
6:03
